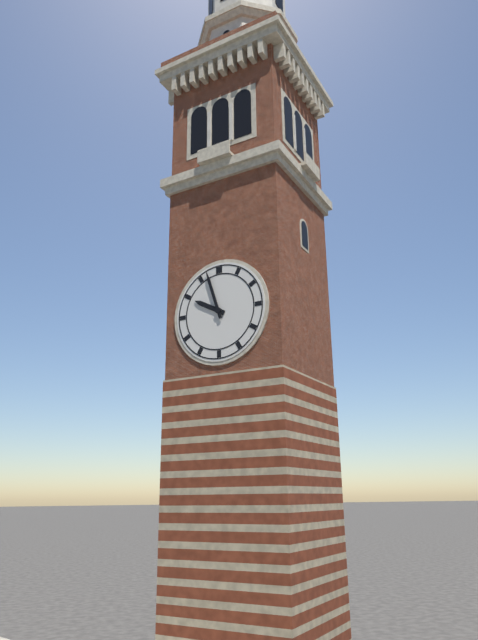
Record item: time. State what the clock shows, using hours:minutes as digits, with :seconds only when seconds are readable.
9:57
